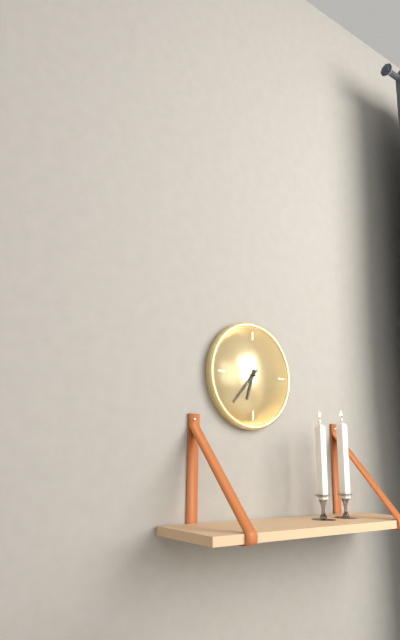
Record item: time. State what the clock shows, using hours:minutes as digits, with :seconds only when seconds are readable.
6:37
